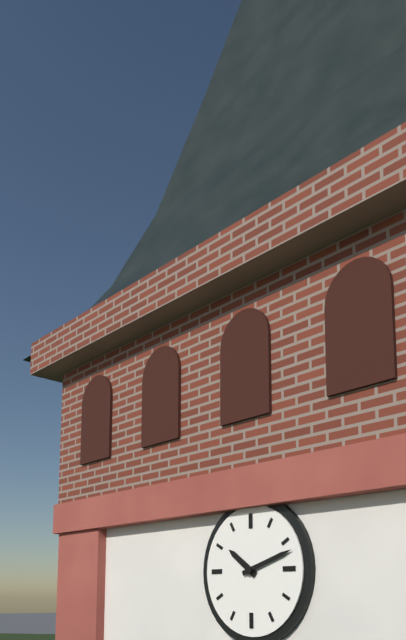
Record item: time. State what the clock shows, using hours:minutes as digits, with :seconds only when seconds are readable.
10:12
